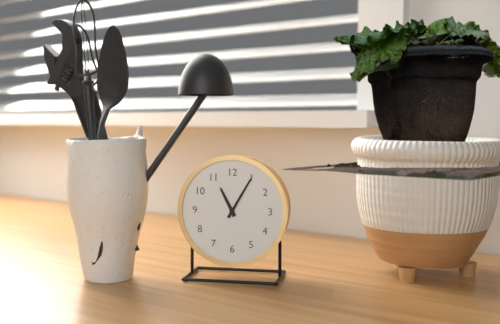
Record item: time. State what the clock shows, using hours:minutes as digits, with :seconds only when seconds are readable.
11:05
